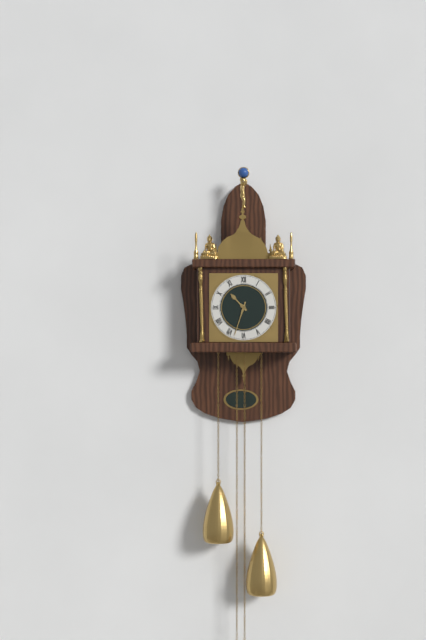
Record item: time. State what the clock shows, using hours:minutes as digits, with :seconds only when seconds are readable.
10:33
